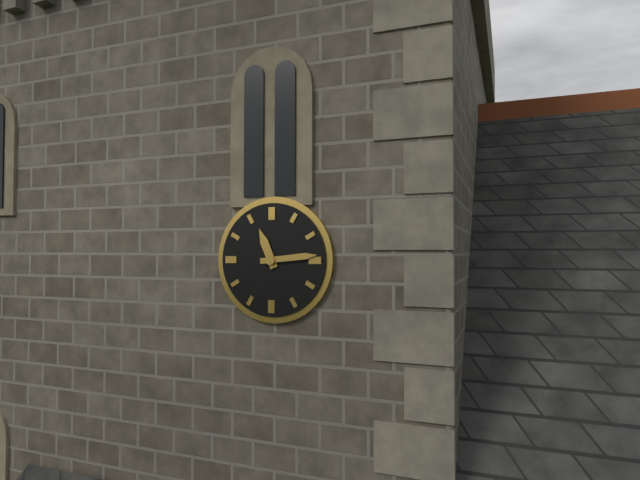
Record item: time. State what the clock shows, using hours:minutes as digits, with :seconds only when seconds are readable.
11:14
